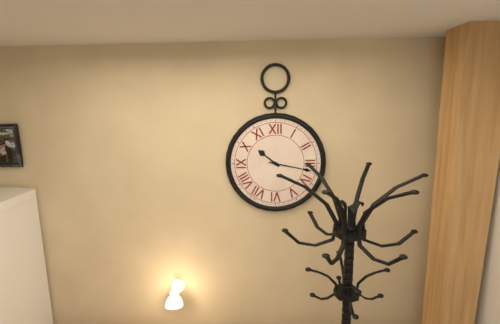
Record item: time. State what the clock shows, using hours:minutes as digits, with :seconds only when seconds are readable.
10:17
